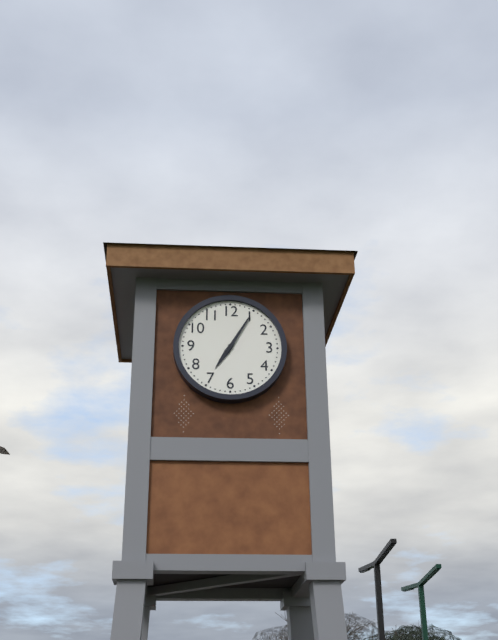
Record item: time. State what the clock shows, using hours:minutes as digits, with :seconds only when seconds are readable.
7:05
